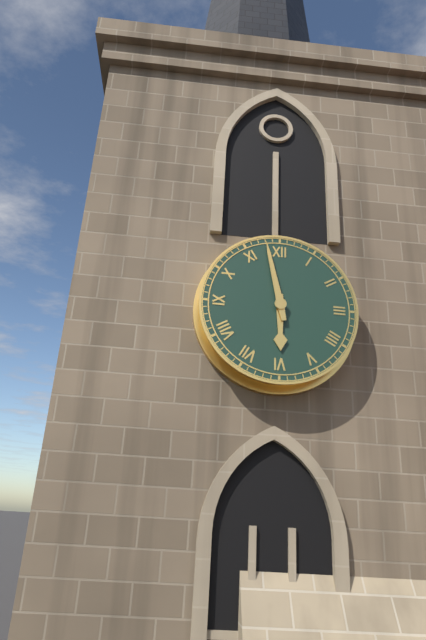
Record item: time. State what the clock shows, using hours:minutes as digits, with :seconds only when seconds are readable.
5:58
